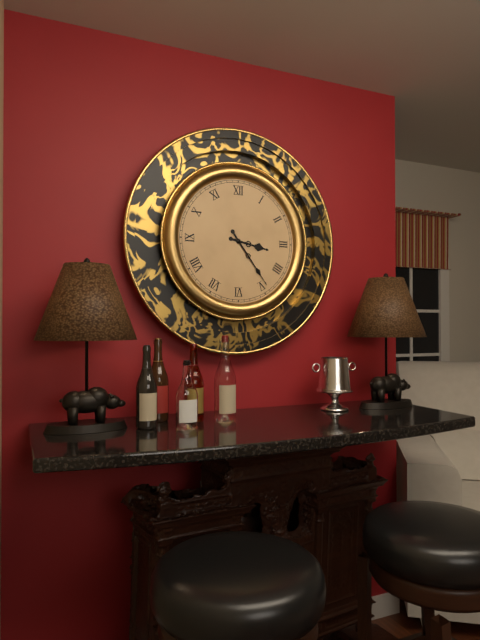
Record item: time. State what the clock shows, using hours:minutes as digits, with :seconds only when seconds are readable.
3:24
